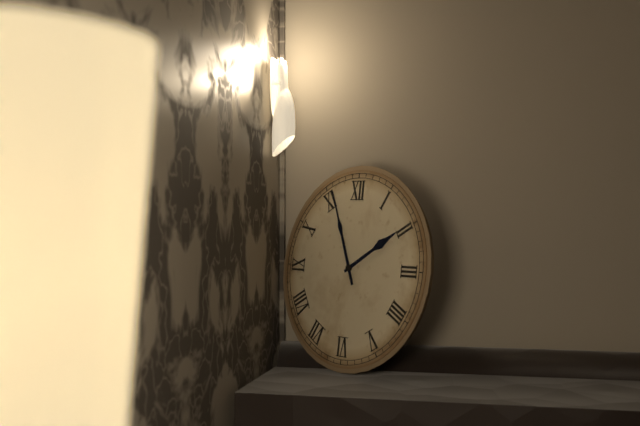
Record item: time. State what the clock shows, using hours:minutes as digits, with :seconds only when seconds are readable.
1:56
